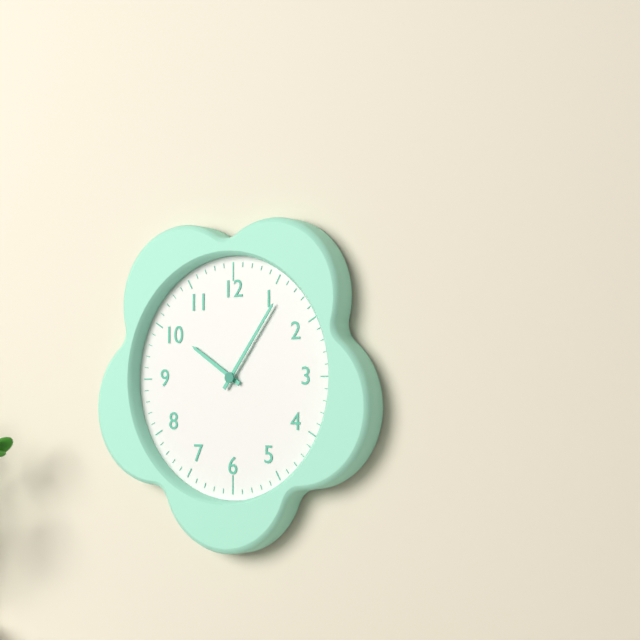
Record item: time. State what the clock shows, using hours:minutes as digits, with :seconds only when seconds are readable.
10:06
